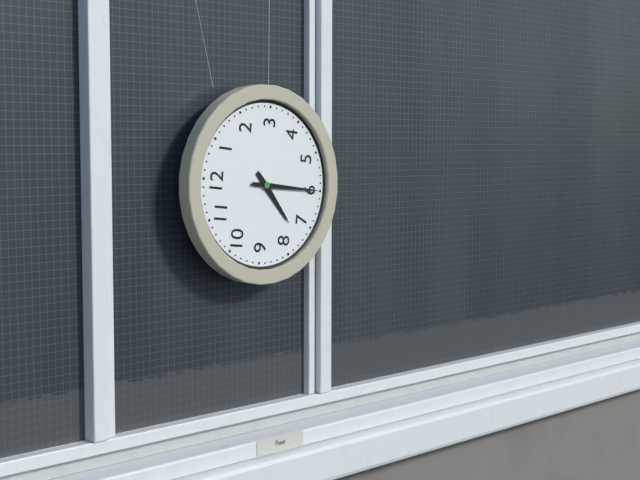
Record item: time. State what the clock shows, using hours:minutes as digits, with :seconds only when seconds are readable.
7:30
